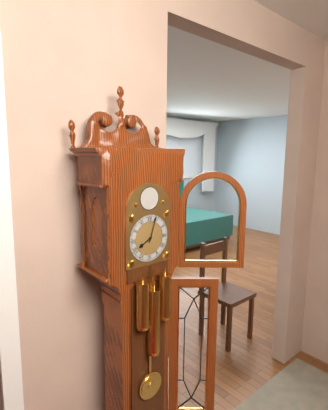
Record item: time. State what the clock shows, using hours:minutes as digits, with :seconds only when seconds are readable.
8:03
